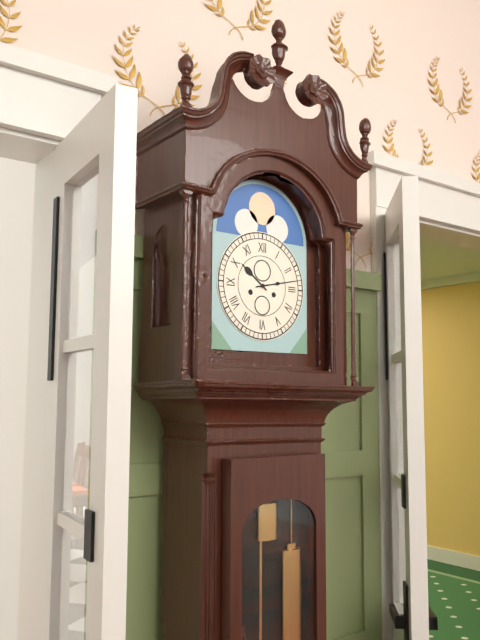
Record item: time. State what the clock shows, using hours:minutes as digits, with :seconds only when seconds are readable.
10:13
